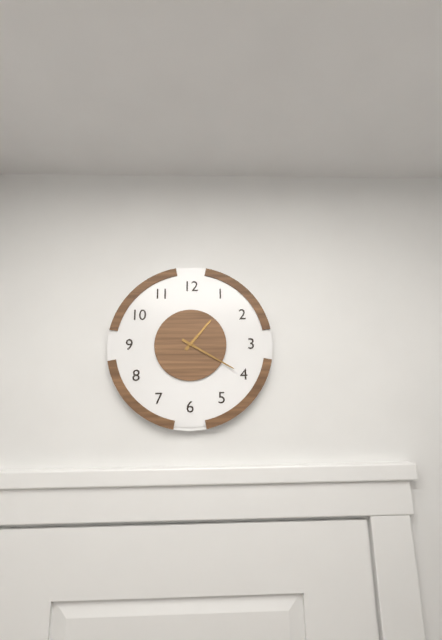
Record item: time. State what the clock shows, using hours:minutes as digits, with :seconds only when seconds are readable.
1:20
